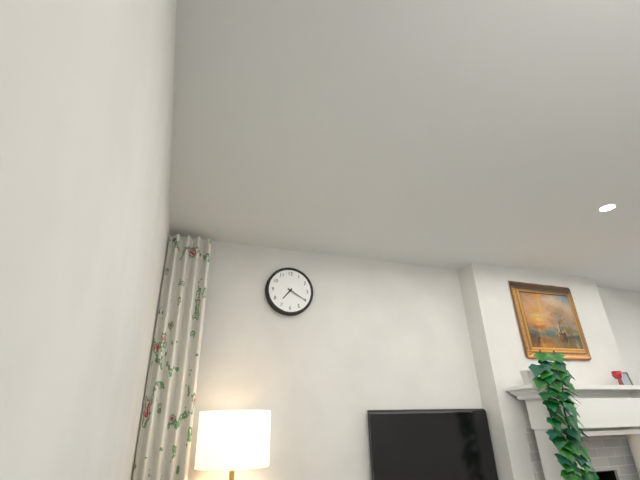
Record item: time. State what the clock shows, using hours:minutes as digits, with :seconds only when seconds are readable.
7:20
